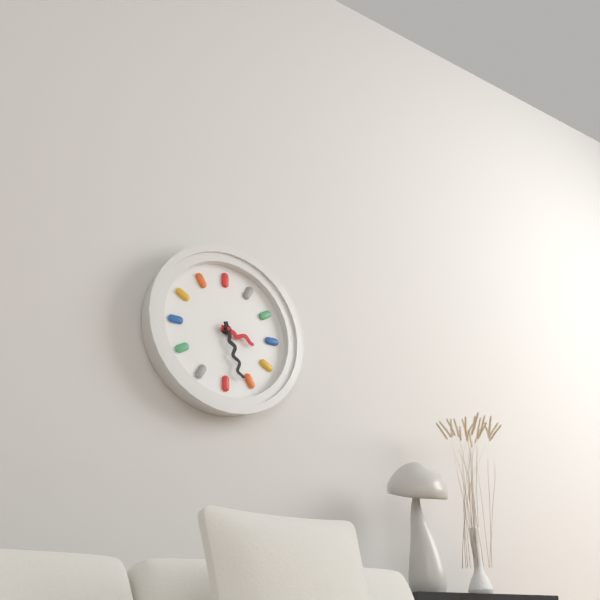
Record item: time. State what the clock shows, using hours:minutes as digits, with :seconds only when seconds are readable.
3:27
